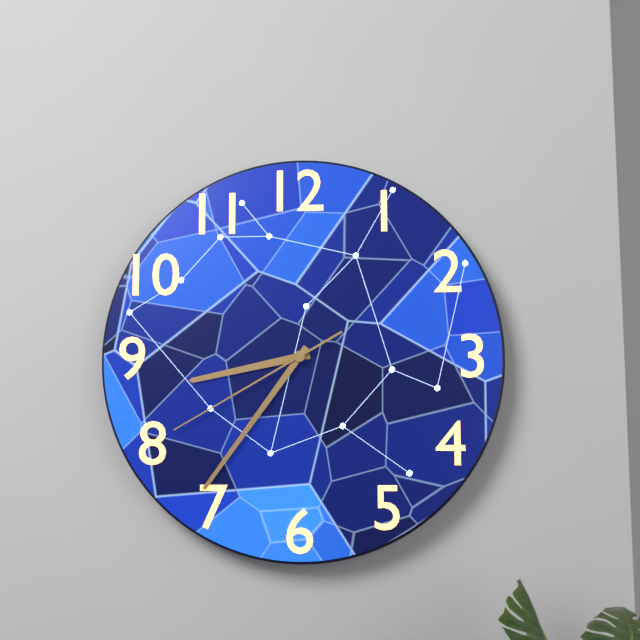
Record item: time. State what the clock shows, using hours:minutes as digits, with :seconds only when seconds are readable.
8:36:40
